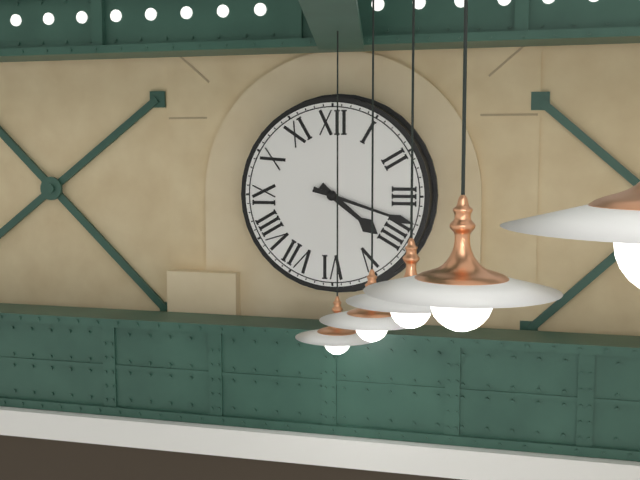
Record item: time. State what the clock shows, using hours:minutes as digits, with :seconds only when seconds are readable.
4:18
